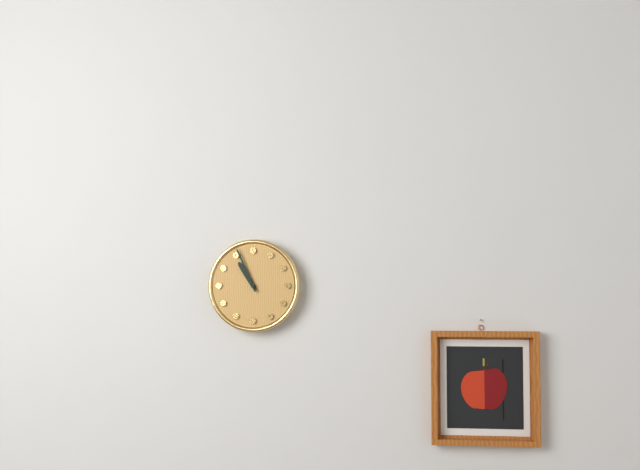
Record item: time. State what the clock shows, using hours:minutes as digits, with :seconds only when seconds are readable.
10:56
